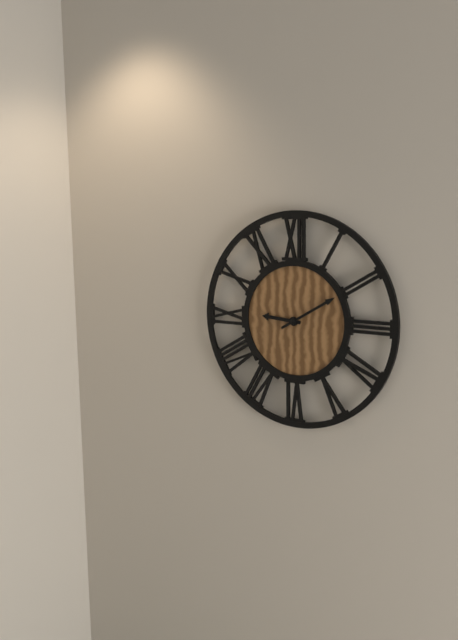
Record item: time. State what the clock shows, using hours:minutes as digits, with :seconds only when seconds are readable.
9:10
